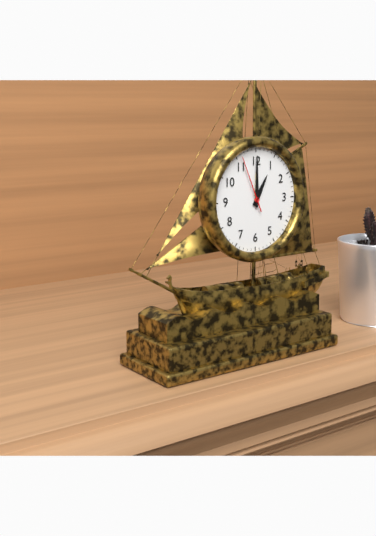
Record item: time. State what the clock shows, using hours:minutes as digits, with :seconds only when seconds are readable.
1:00:56
